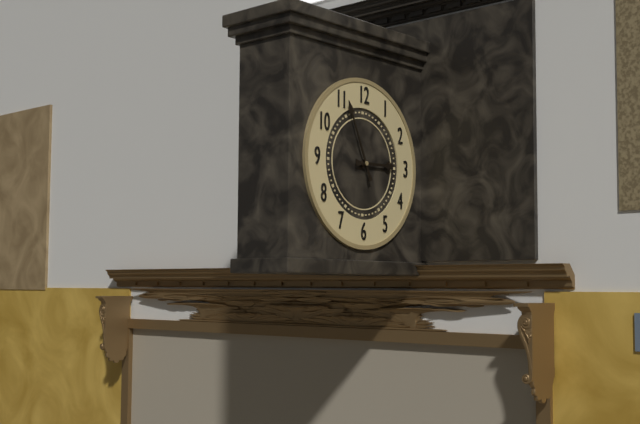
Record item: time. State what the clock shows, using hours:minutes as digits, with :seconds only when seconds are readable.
2:56
